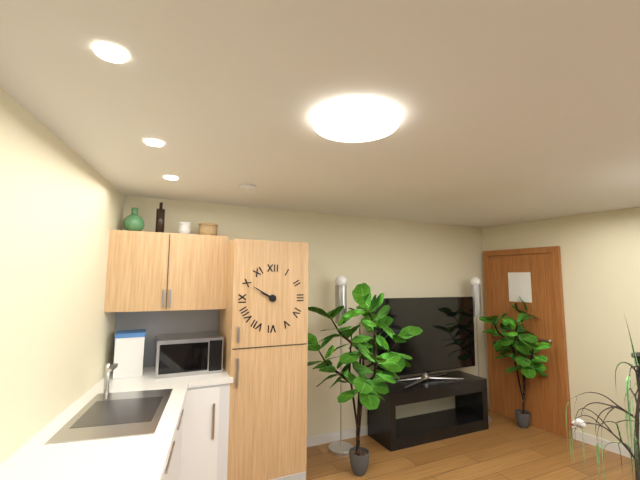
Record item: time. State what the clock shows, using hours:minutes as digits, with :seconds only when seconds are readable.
9:50
